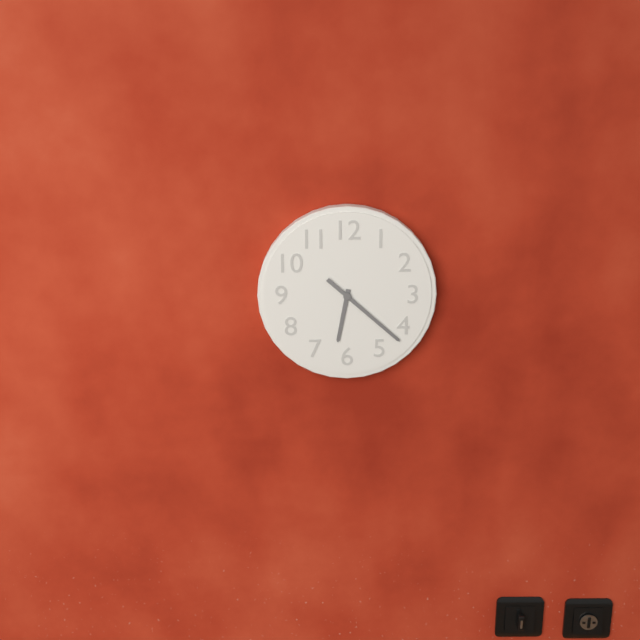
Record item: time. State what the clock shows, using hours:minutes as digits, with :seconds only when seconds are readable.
6:22
